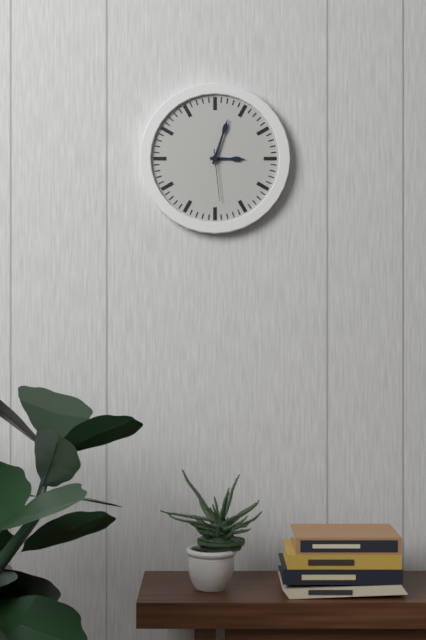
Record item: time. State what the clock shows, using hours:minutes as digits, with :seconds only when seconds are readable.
3:03:29
